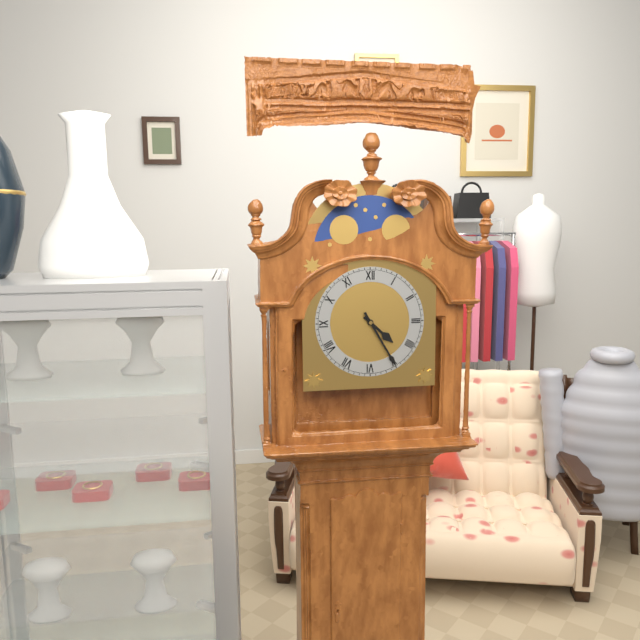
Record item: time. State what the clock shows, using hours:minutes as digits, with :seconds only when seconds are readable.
4:25
